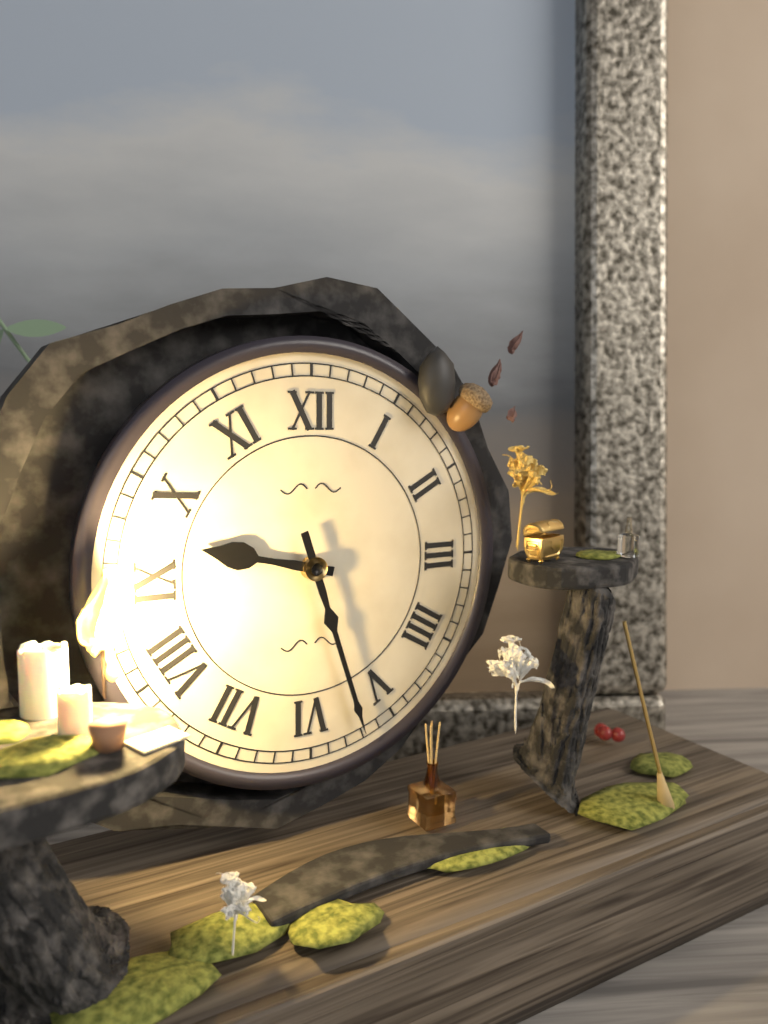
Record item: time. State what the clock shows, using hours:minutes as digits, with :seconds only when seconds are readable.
9:27
